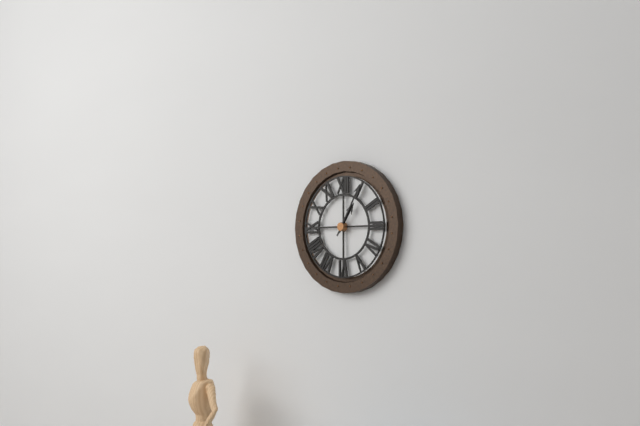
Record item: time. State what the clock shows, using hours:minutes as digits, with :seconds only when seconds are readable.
1:05
